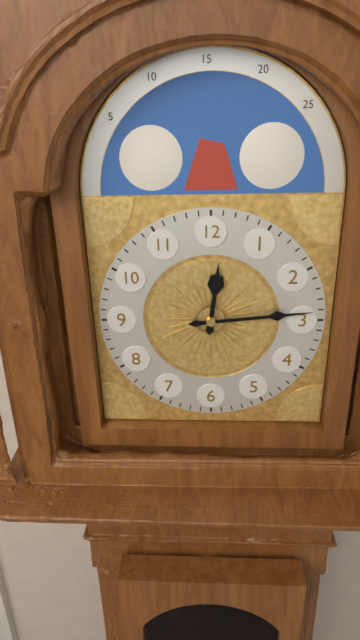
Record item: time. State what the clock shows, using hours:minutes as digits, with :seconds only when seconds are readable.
12:14
